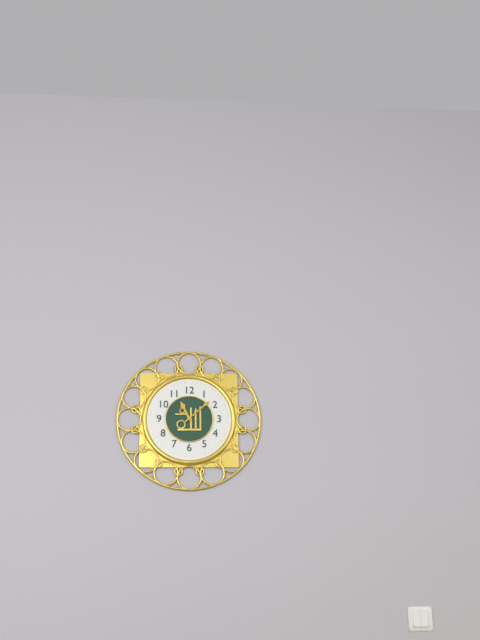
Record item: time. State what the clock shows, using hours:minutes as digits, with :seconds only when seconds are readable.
11:08
